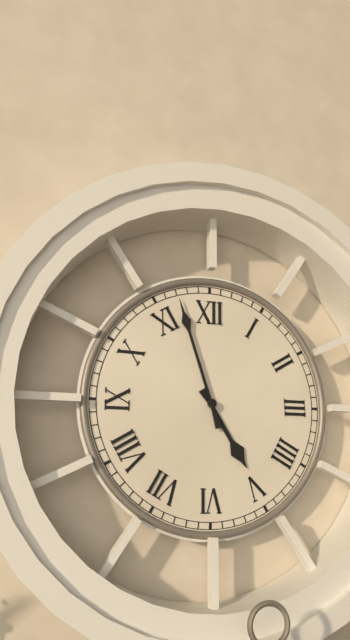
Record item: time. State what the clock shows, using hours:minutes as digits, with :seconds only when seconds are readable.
4:57
